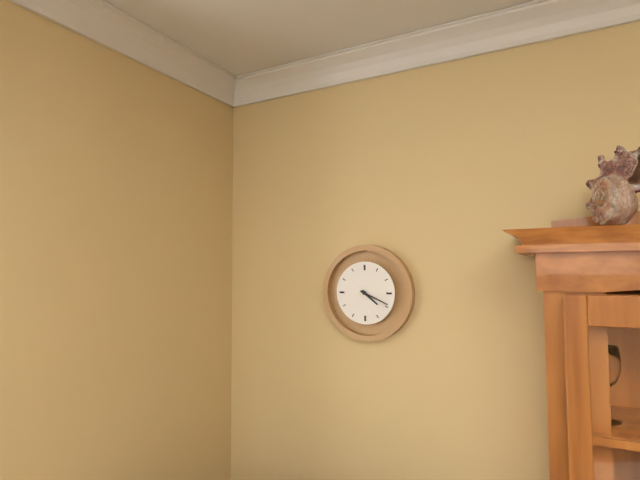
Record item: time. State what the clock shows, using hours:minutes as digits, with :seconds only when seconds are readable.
4:19
